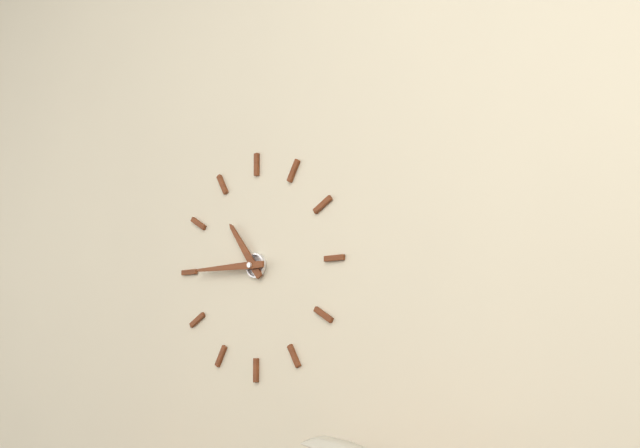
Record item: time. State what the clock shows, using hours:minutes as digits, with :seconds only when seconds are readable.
10:45
